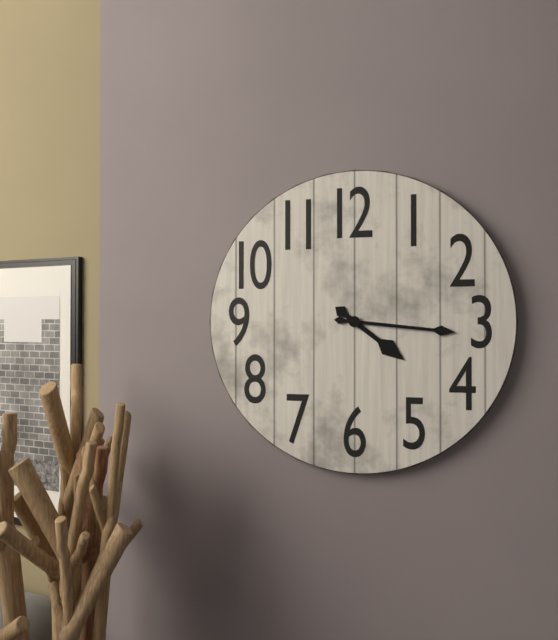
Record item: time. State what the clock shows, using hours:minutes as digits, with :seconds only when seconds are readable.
4:16
